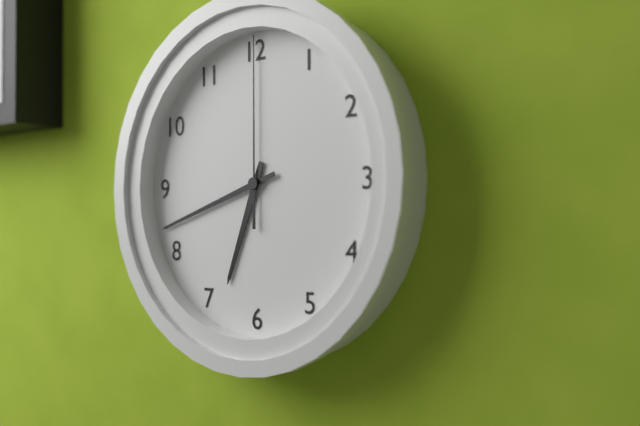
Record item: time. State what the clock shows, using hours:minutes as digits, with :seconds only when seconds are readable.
6:42:00
